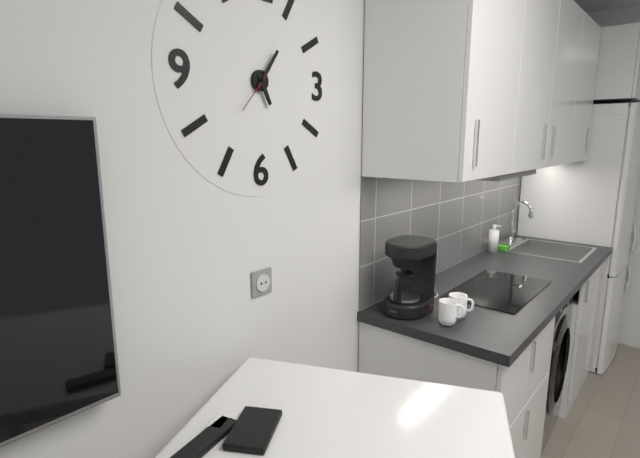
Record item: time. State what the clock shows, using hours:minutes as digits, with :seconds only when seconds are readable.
5:06
